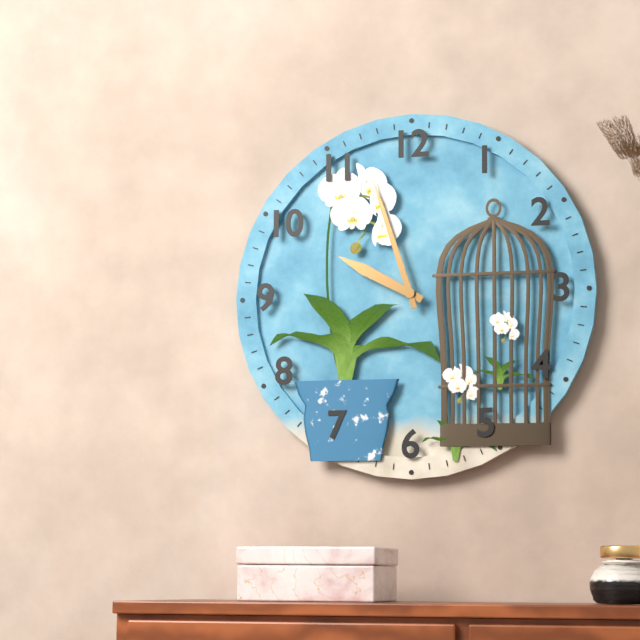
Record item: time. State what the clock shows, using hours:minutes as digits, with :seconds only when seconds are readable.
9:57
